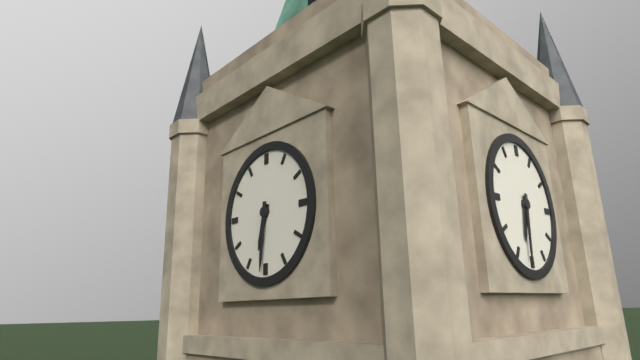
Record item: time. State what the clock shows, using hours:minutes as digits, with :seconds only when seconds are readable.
6:31
